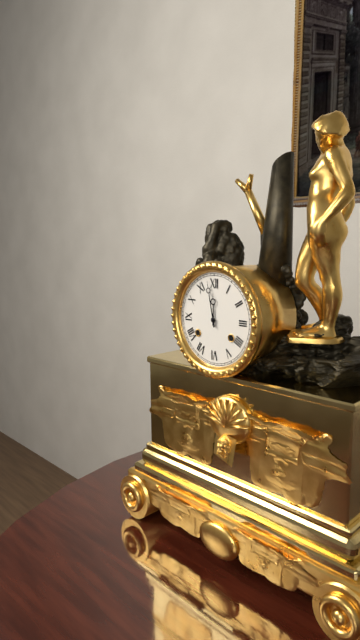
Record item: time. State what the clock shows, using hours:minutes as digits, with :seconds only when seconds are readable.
11:58
